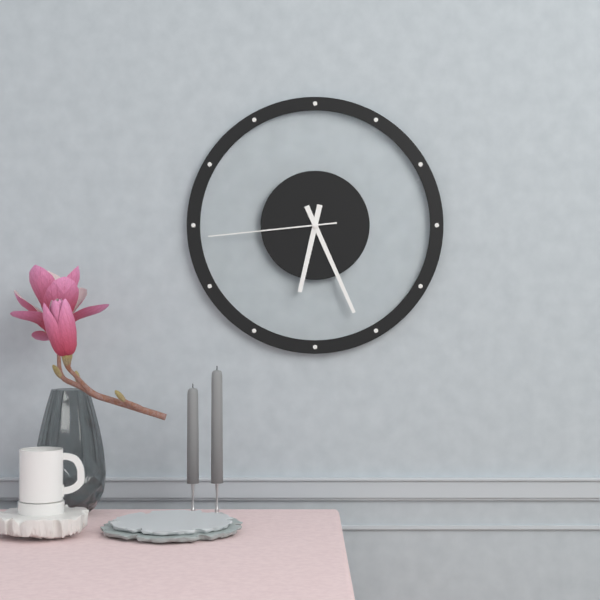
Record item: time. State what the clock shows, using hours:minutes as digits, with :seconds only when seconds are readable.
6:26:44
